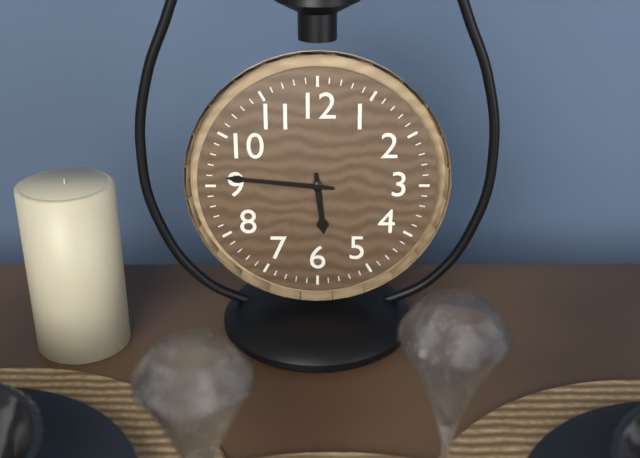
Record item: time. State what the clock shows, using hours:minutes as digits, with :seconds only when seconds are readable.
5:46
